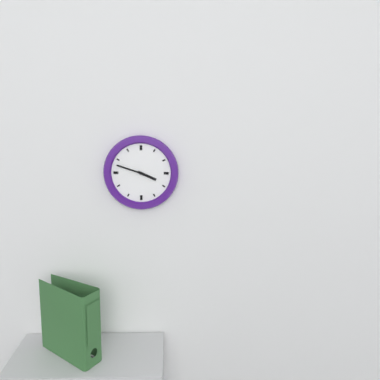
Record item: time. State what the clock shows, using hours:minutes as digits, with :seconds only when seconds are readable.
3:48
